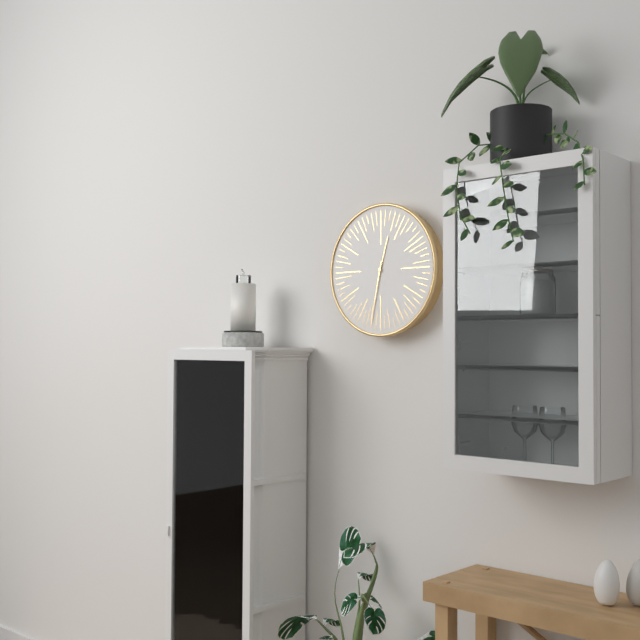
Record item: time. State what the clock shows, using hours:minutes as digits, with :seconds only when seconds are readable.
12:32
